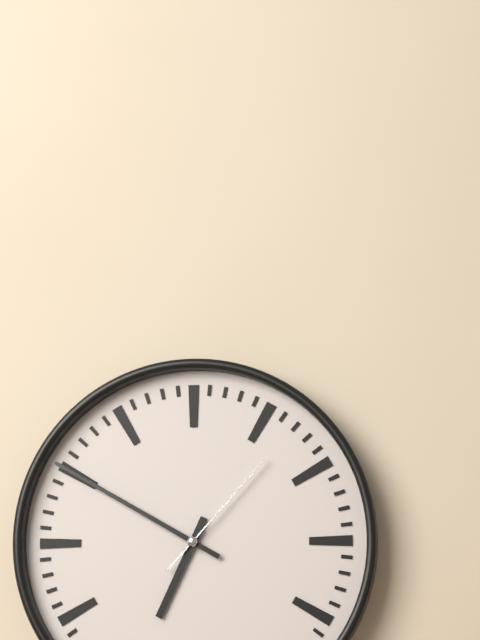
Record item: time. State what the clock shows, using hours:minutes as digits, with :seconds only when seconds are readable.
6:50:07
